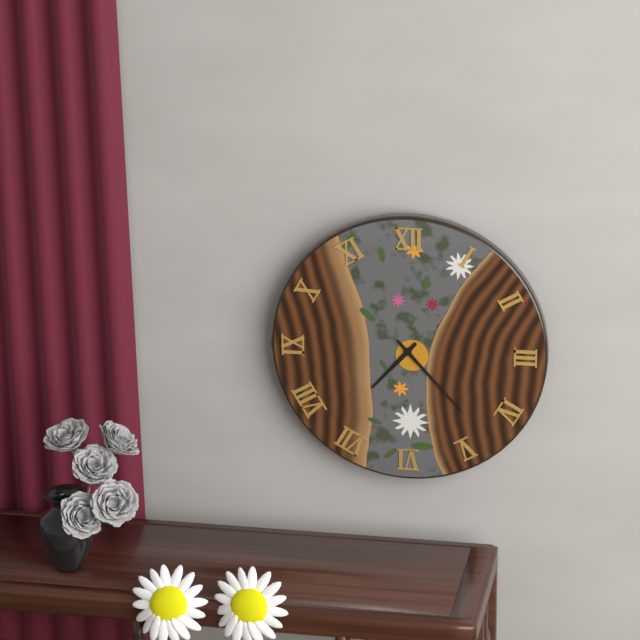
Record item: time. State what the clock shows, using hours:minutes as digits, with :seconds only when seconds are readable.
7:23
